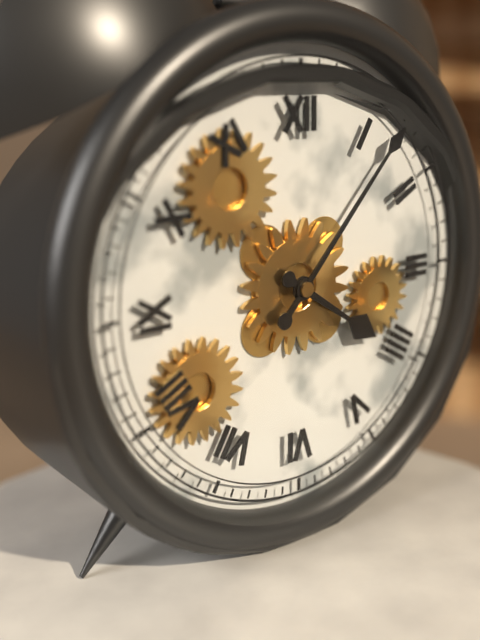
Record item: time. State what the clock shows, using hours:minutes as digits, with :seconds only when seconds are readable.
4:07
